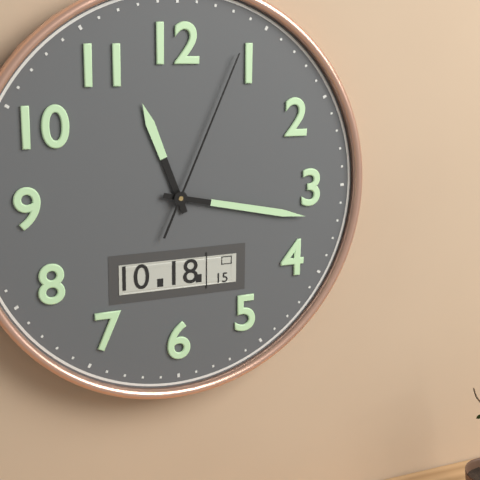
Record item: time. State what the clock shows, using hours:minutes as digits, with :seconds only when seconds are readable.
11:17:04
